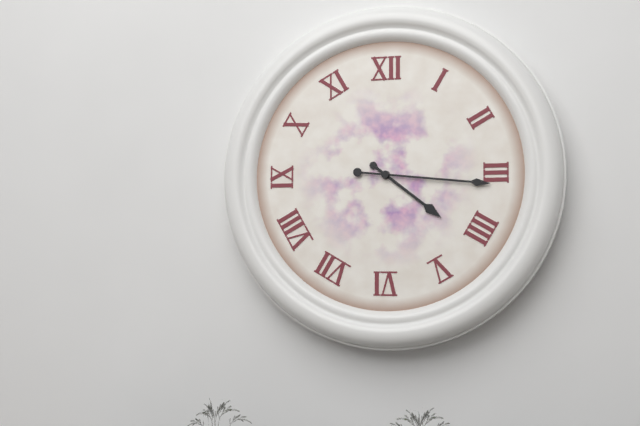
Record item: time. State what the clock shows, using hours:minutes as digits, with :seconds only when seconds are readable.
4:16
